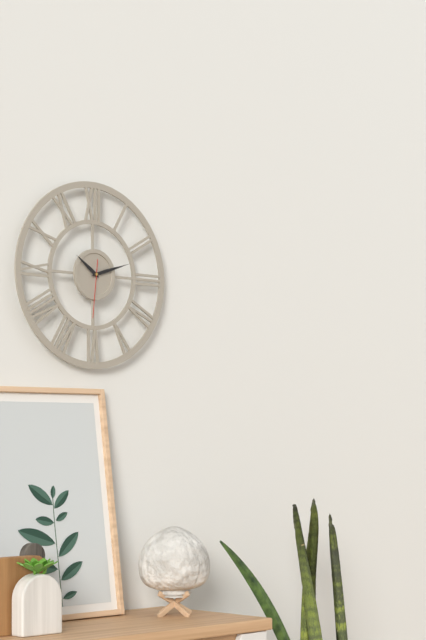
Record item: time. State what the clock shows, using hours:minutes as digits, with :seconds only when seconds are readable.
10:12:31
